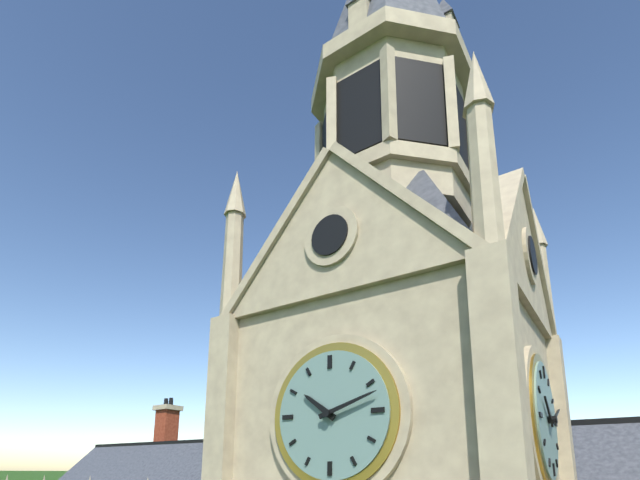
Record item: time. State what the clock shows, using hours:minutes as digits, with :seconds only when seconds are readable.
10:12
